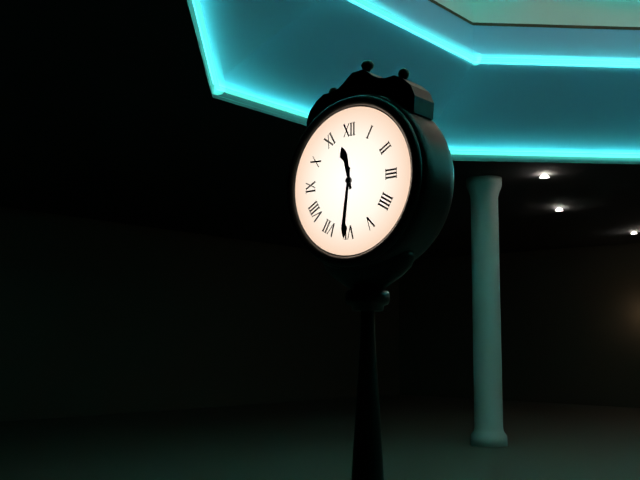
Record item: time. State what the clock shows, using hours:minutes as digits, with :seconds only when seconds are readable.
11:31
